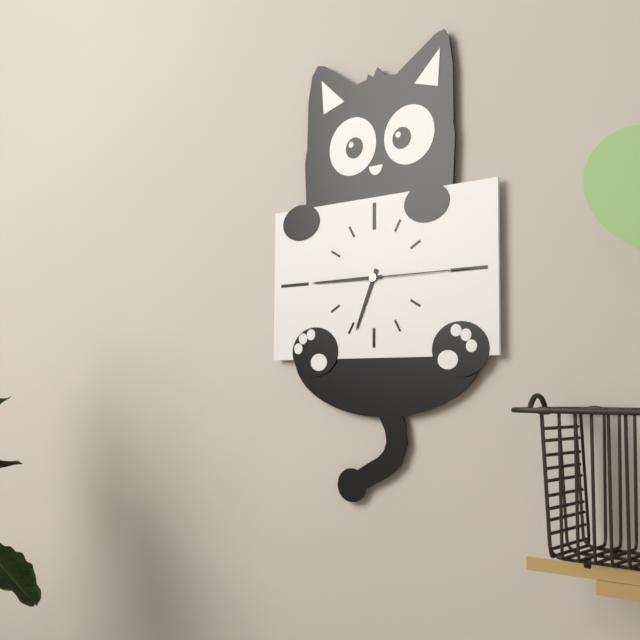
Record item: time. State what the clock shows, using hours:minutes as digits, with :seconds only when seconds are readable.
6:45:15
